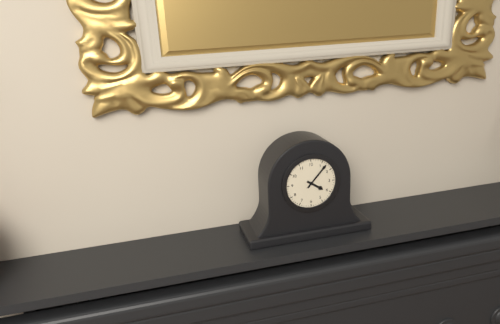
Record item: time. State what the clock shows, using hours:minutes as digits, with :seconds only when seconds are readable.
4:07
